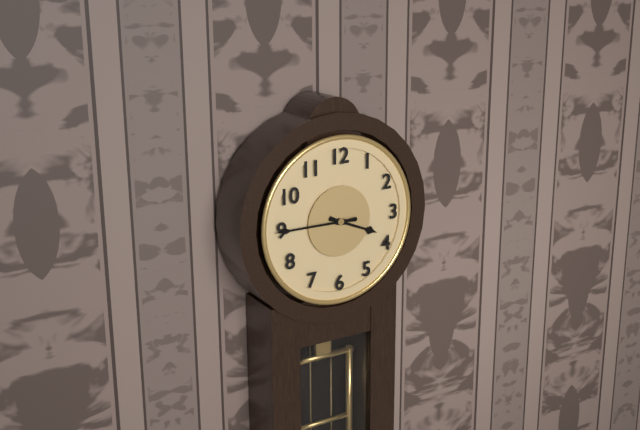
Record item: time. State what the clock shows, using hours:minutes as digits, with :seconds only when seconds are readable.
3:45
